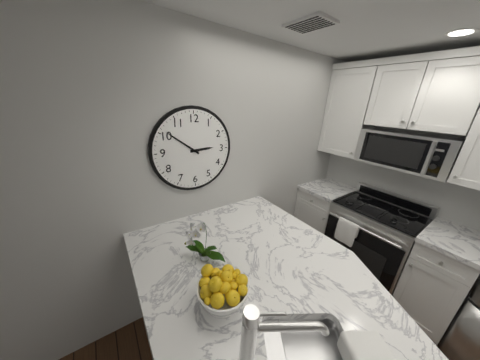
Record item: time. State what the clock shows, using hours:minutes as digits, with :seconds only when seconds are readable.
2:51
